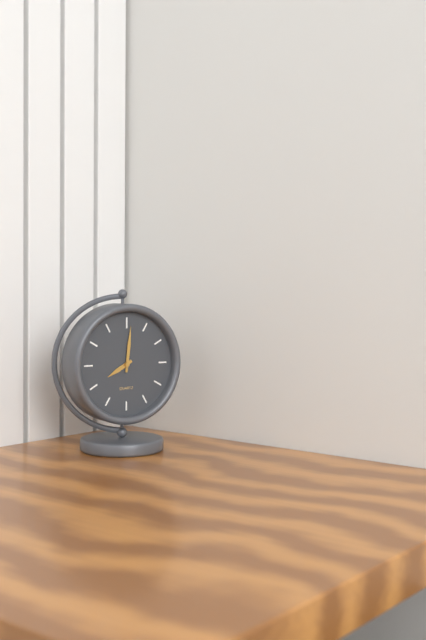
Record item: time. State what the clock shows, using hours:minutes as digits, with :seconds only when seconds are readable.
8:01
